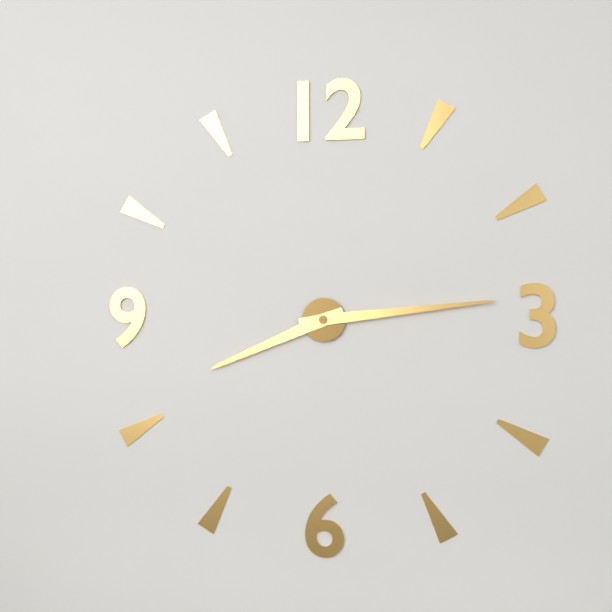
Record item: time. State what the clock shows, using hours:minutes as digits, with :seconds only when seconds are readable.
8:14
